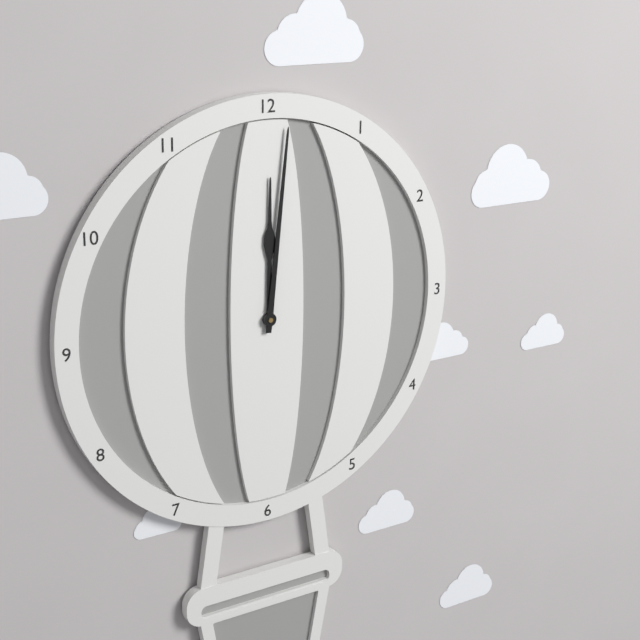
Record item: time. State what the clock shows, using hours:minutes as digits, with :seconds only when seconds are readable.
12:01
